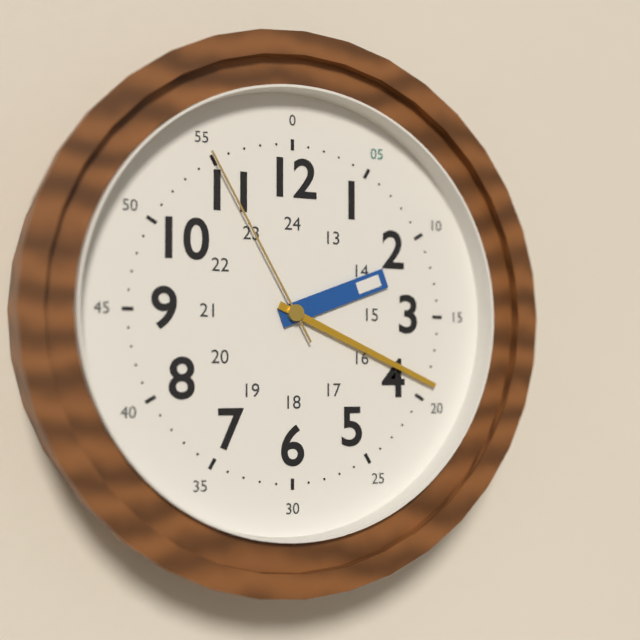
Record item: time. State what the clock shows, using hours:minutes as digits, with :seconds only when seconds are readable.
2:19:55
